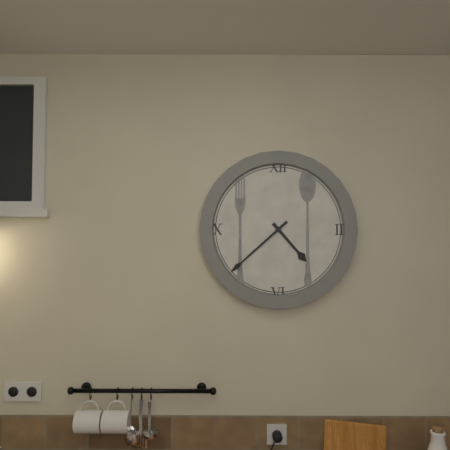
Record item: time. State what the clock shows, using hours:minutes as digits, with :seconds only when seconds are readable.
4:38
